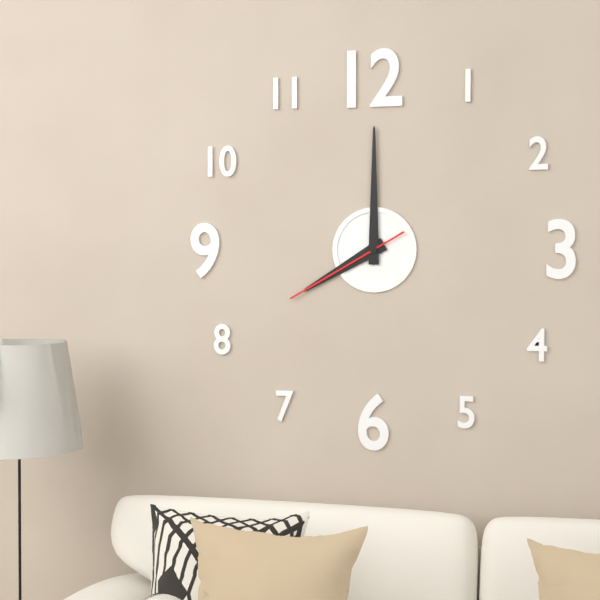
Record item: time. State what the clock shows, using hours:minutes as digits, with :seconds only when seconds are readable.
8:00:40
